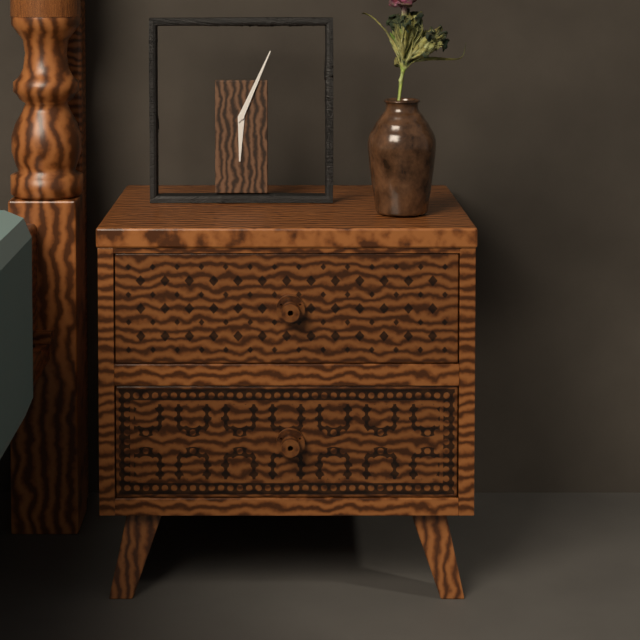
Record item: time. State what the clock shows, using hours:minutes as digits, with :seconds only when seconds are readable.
6:04
